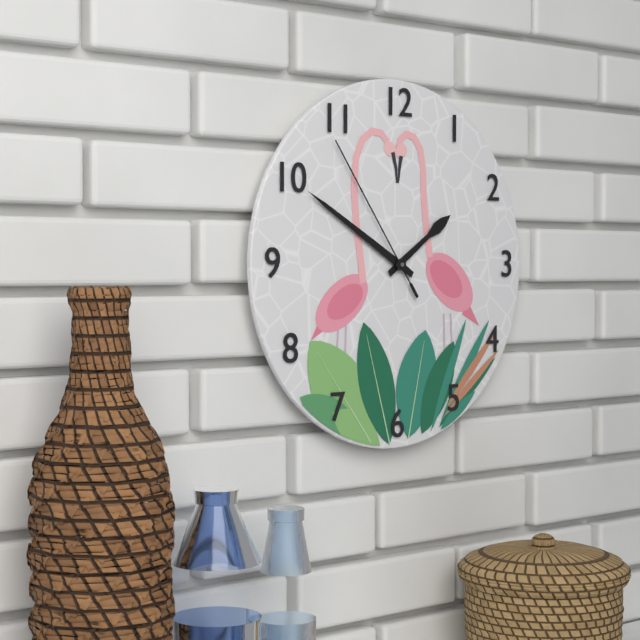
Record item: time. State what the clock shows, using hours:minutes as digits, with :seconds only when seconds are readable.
1:50:54
